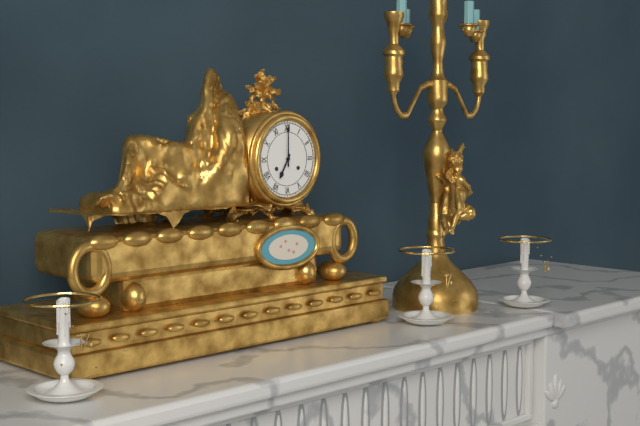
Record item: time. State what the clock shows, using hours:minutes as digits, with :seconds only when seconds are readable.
7:00
